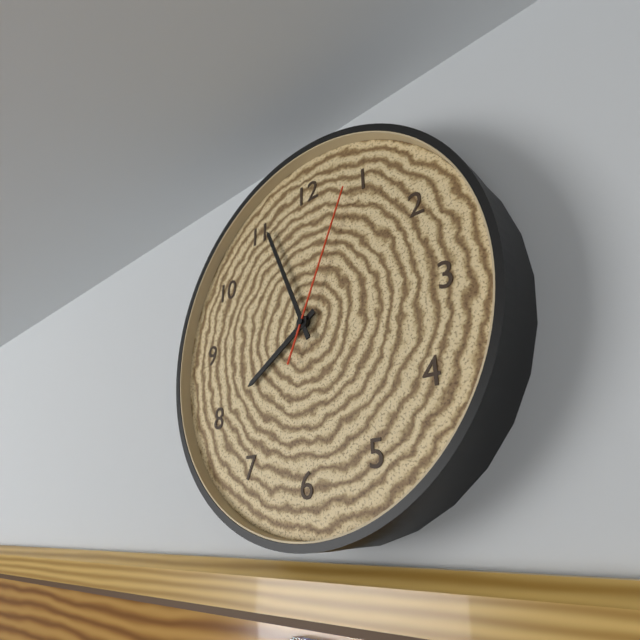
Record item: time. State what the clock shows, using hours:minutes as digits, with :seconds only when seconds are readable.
7:56:04
